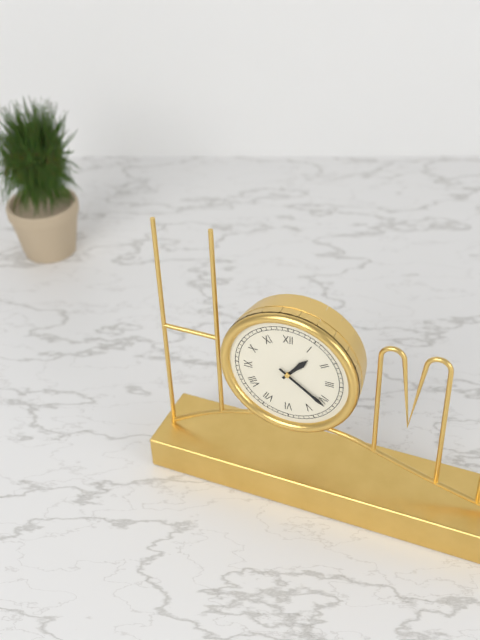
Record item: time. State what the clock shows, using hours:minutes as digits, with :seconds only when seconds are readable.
1:21
